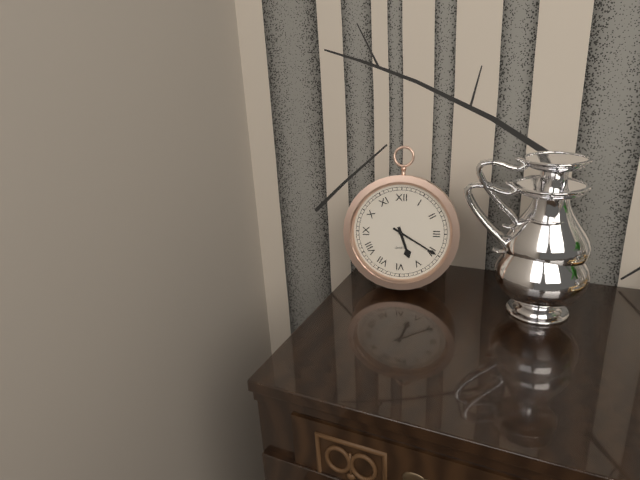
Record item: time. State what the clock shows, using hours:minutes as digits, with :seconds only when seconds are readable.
5:20
